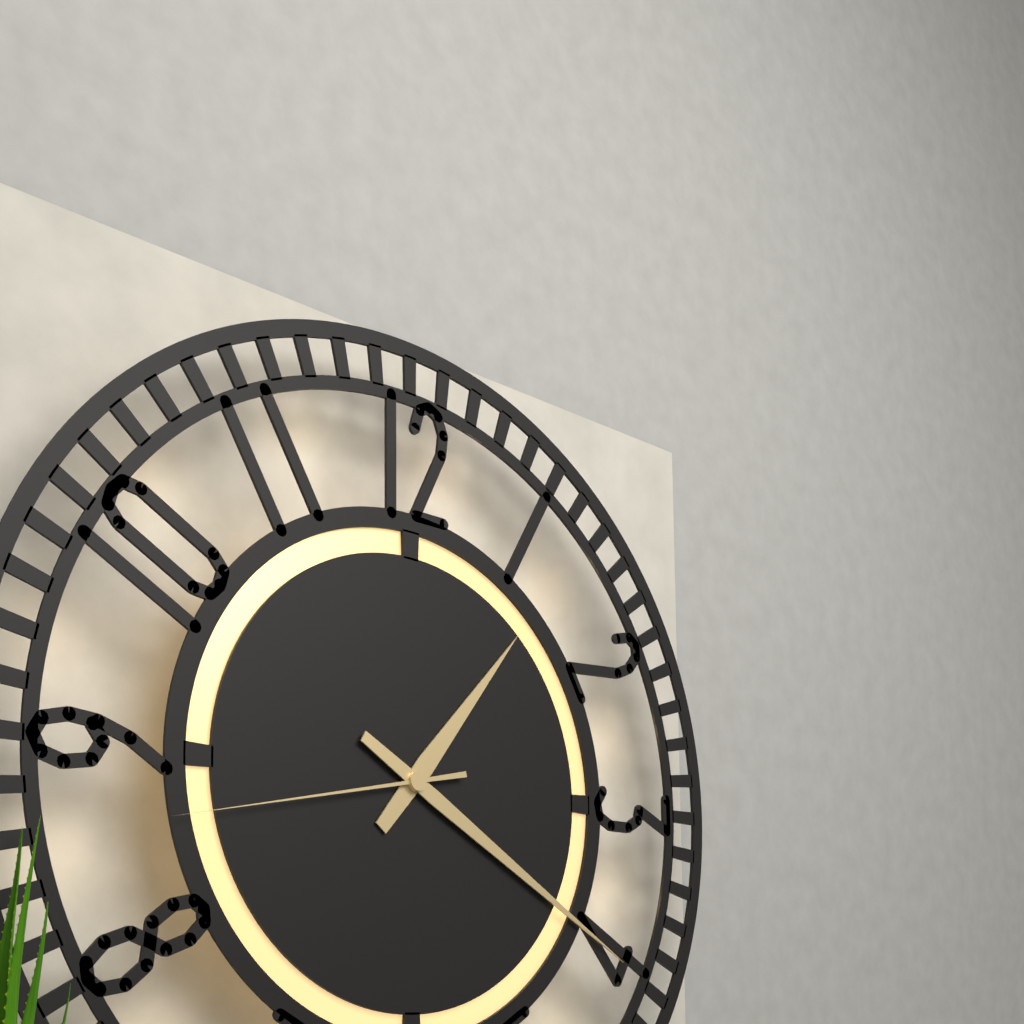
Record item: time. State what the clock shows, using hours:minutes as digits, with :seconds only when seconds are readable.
1:20:43
